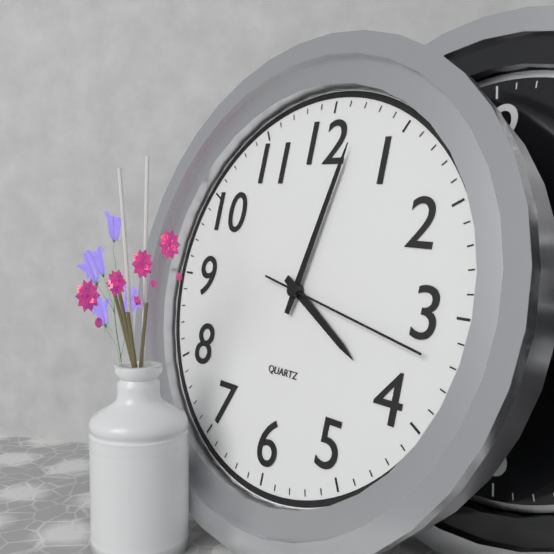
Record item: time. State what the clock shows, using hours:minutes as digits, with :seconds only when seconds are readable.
4:02:17
